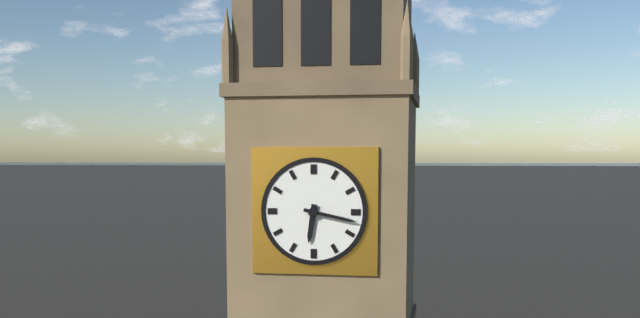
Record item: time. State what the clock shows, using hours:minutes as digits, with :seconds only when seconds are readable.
6:17
